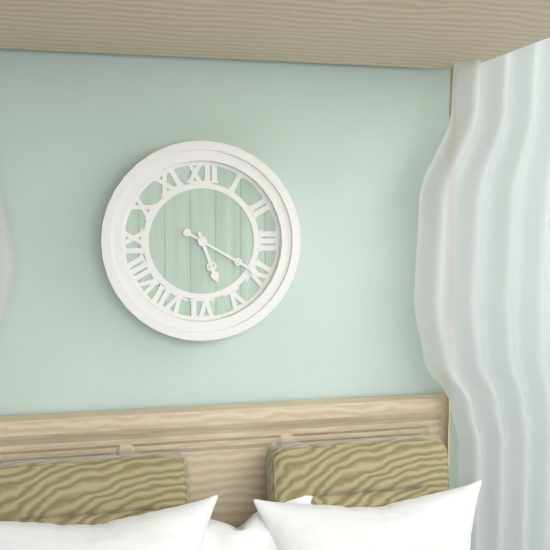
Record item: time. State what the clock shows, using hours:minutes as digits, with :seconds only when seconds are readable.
5:20
